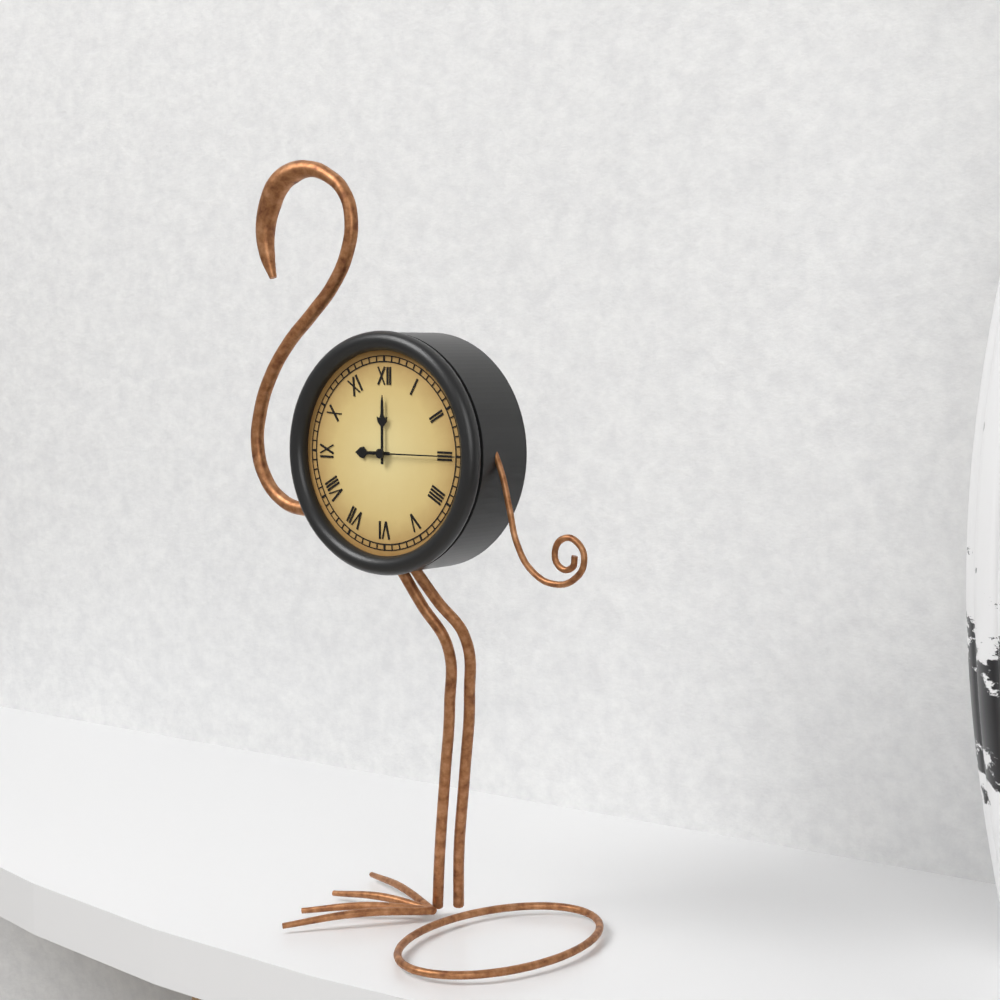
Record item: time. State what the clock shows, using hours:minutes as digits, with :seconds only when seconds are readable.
9:00:15
